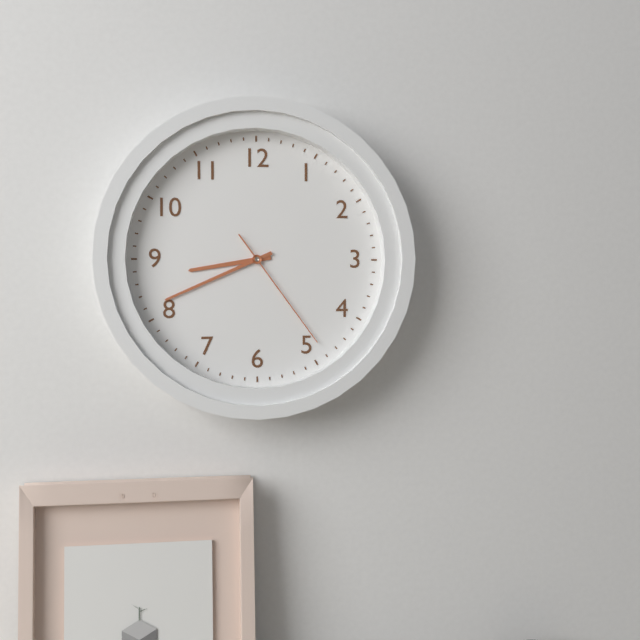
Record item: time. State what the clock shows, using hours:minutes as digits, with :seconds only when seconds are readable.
8:41:24
